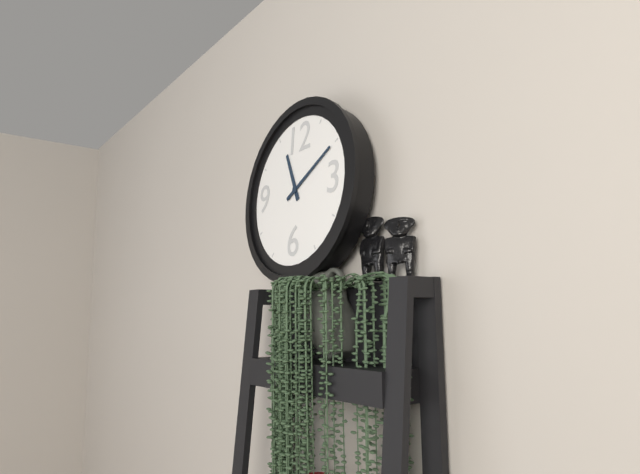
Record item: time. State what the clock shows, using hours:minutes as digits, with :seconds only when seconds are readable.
11:10
